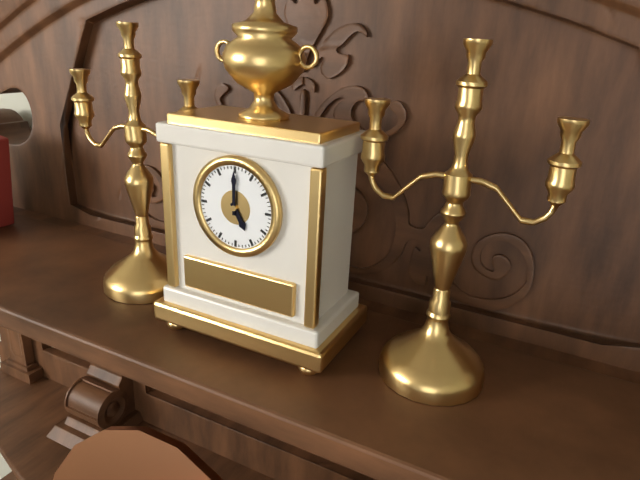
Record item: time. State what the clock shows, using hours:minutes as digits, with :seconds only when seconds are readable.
5:00
